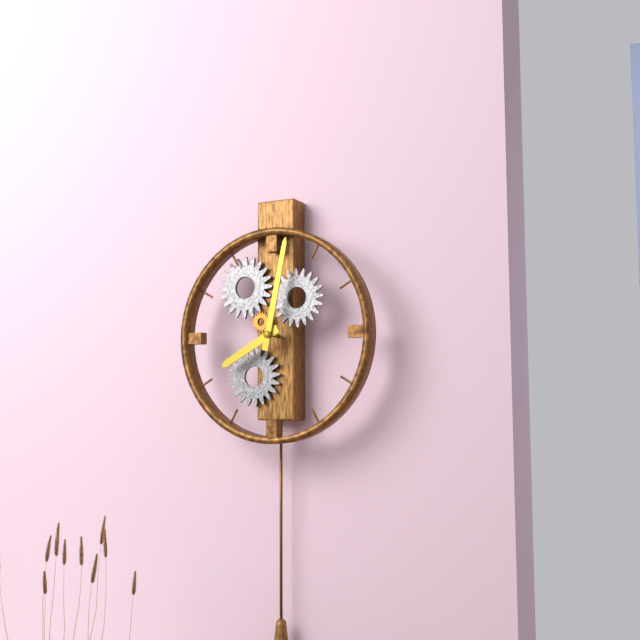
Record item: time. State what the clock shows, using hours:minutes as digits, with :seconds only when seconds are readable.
8:02
